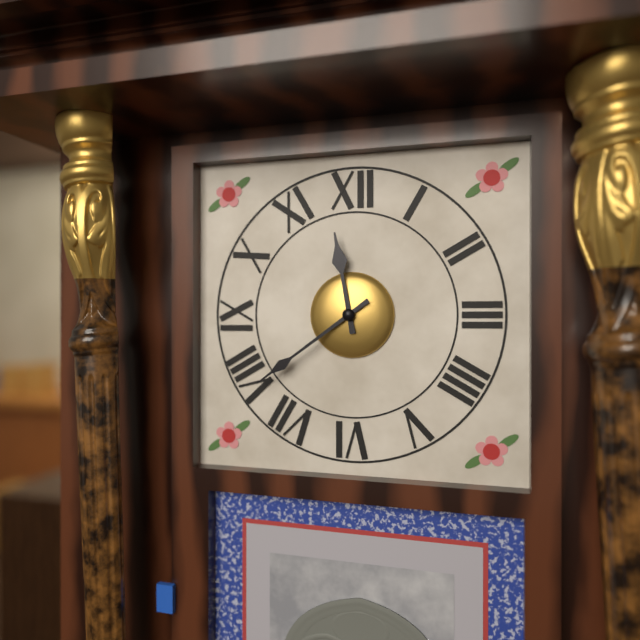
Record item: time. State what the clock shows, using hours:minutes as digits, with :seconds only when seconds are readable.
11:39
